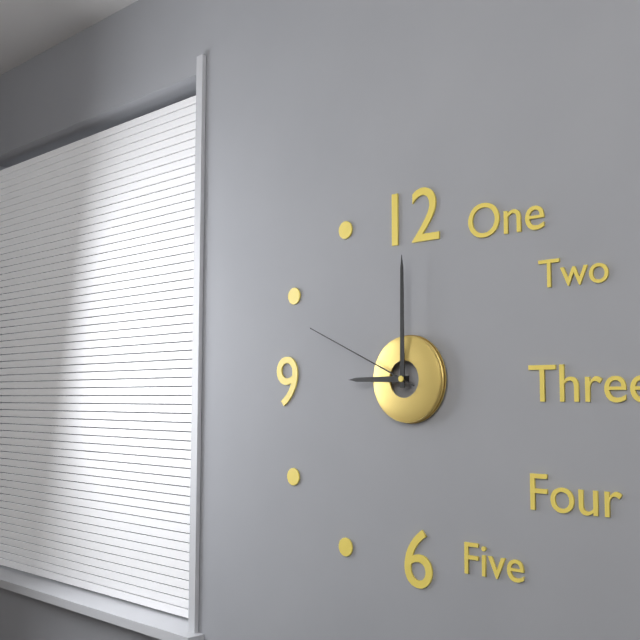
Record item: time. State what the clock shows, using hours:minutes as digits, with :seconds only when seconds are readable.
9:00:49
